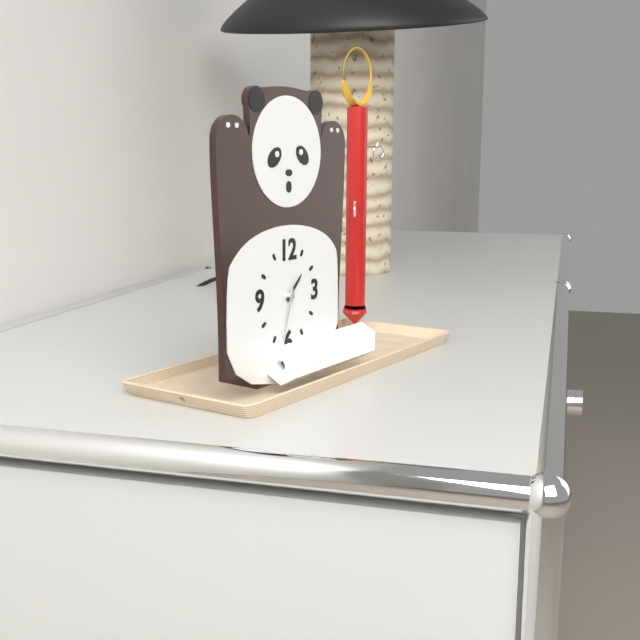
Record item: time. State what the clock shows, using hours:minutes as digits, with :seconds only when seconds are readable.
1:33
